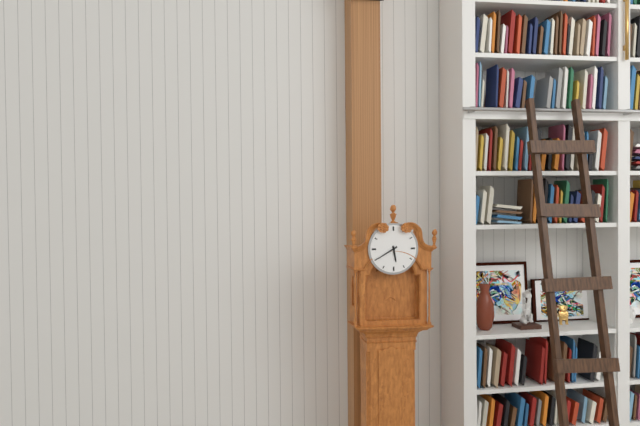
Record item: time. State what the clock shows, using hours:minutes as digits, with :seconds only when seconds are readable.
5:40
